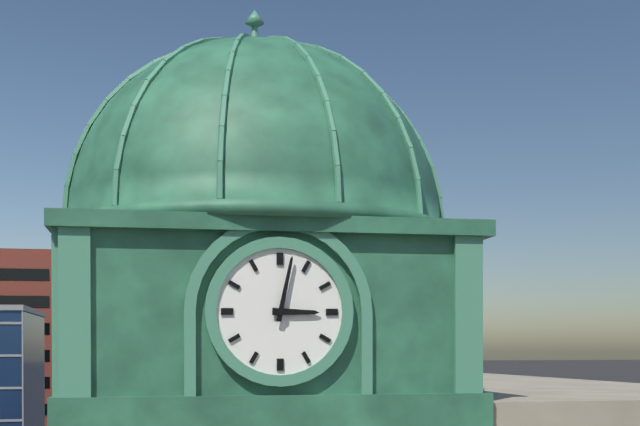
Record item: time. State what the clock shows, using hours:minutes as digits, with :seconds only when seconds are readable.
3:02
